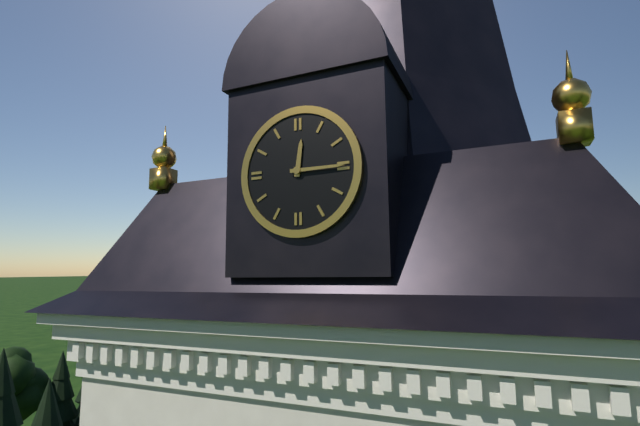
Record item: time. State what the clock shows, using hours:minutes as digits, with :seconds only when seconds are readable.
12:15
